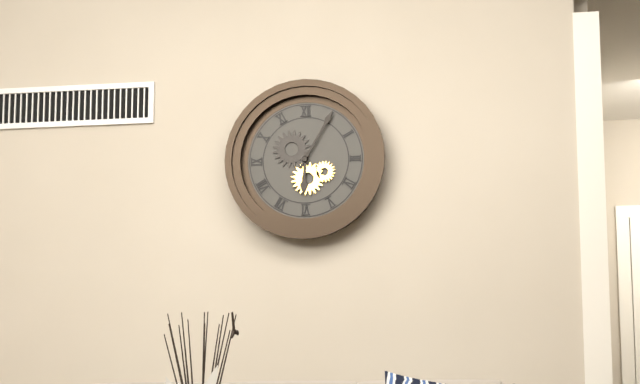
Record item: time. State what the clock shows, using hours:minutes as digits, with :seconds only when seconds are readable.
6:05
